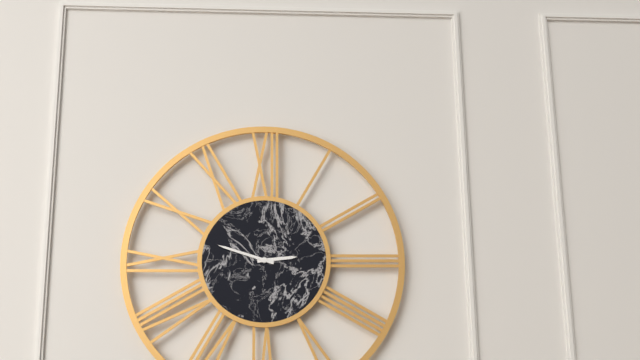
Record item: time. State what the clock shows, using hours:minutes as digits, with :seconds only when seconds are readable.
2:48
